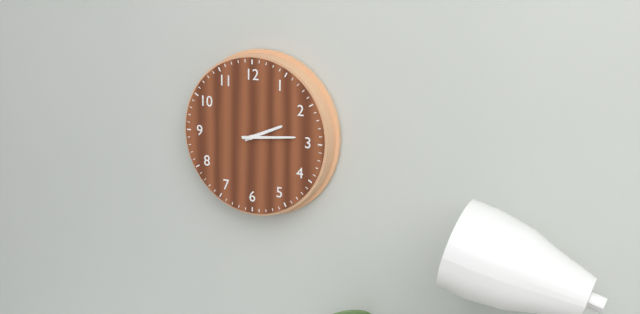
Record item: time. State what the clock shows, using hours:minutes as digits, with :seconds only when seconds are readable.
2:14
